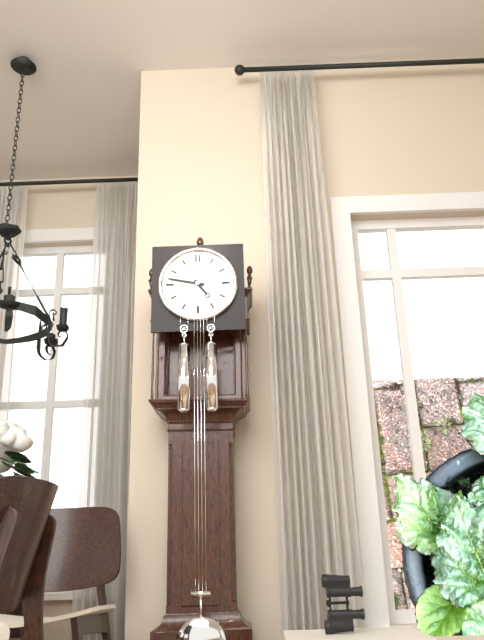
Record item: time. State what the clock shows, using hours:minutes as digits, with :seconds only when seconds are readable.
4:47
